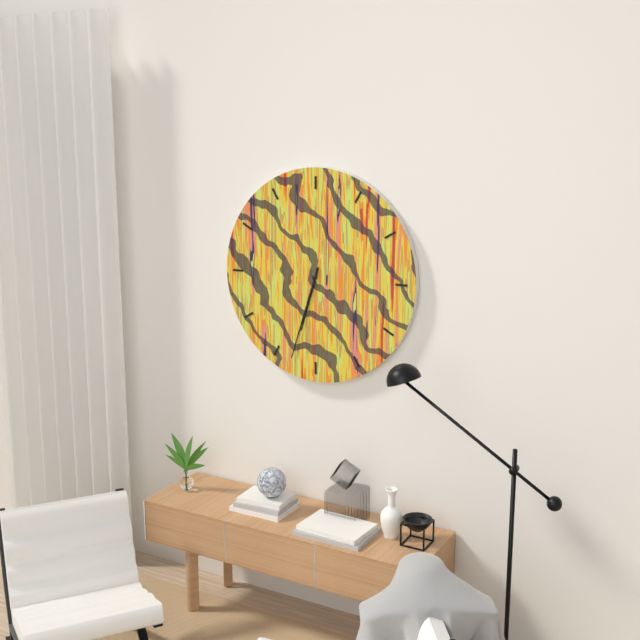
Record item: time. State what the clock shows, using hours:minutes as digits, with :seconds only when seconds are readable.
6:33
